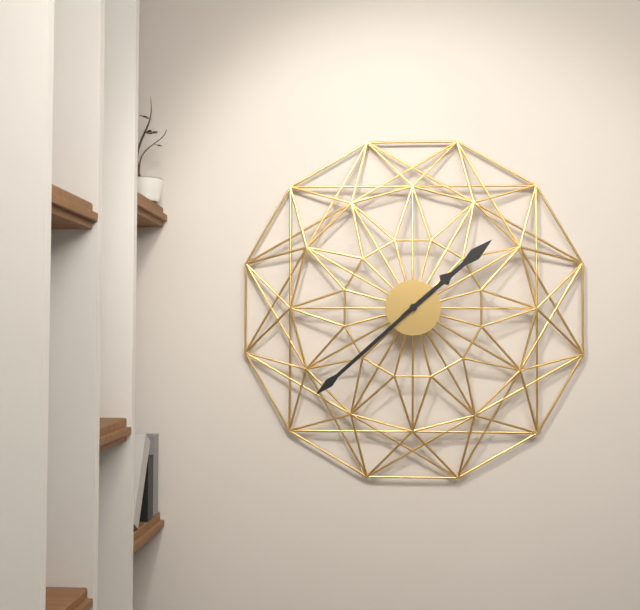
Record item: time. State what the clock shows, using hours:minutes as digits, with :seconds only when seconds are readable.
1:38
